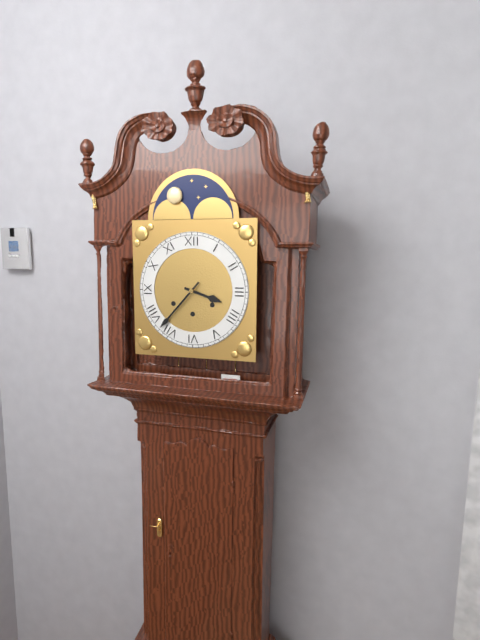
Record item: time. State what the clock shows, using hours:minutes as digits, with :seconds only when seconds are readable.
3:37
